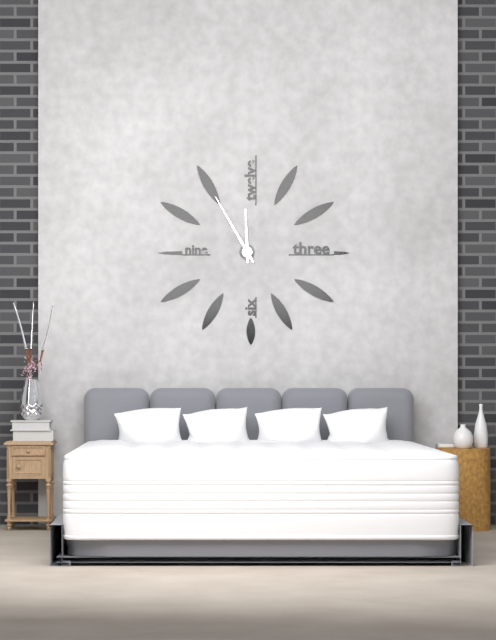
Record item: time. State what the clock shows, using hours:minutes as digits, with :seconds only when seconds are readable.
11:55
